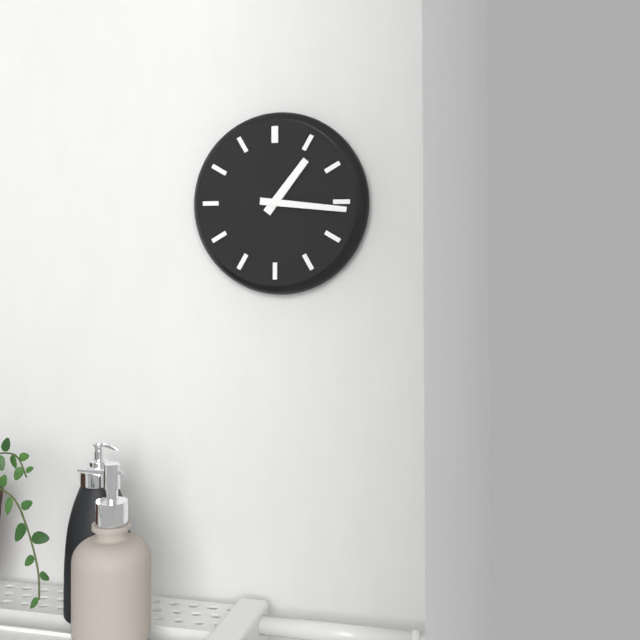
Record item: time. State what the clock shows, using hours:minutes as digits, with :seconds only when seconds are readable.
1:16
